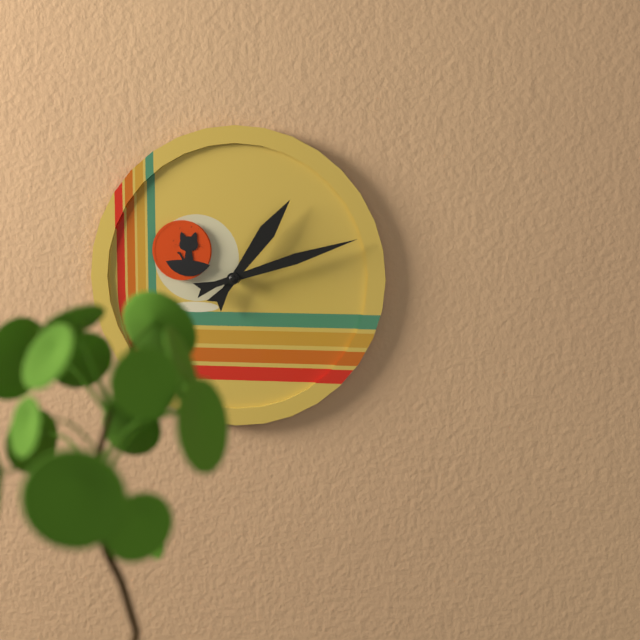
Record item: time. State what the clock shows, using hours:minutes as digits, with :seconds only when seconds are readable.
1:12
